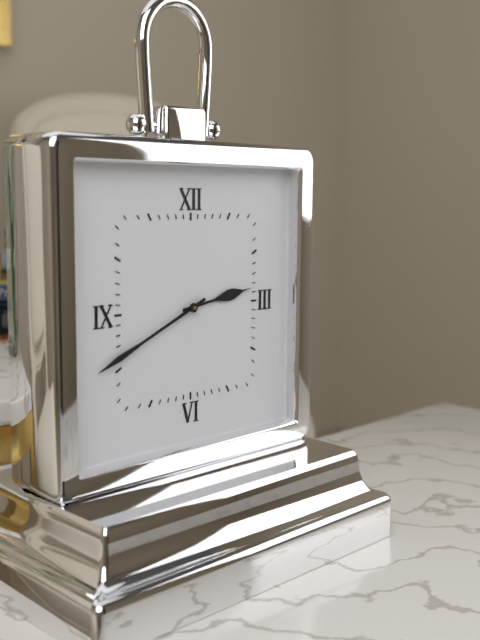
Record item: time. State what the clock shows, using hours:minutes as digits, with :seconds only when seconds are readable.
2:41
